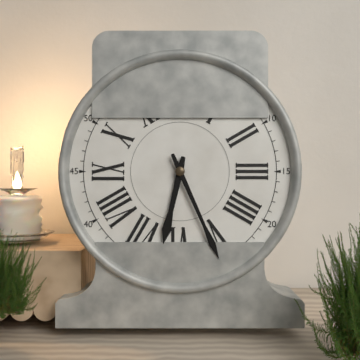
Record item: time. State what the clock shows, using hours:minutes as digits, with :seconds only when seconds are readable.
6:26
